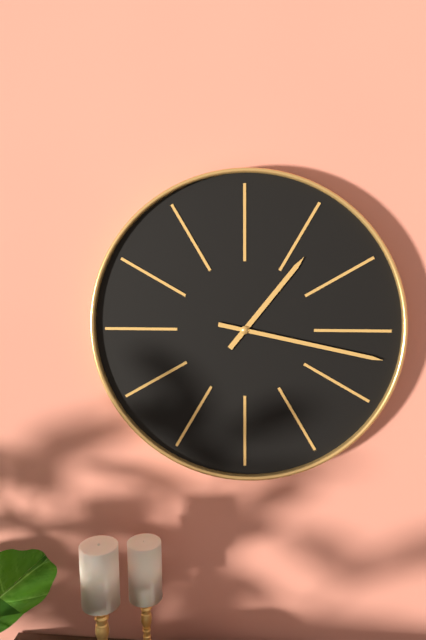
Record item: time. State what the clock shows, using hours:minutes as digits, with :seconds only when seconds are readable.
1:17
